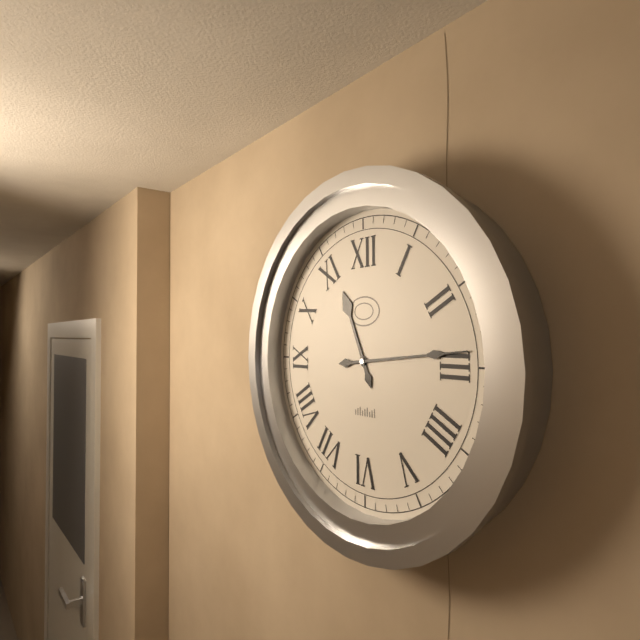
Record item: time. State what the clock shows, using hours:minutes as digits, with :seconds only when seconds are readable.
11:14
